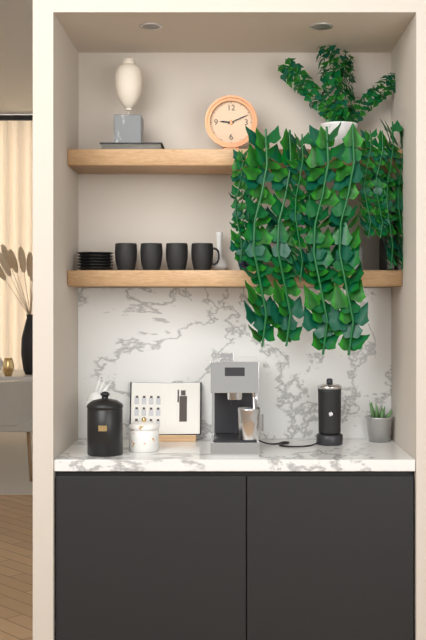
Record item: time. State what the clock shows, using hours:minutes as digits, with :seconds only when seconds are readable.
9:11
